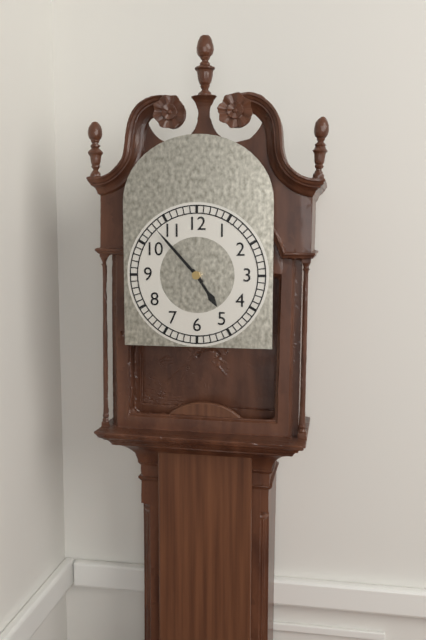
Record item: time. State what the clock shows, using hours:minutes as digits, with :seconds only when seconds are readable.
4:53
